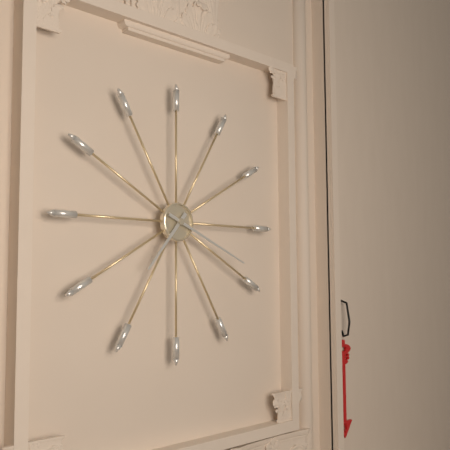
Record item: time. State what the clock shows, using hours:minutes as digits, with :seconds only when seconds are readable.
7:19
